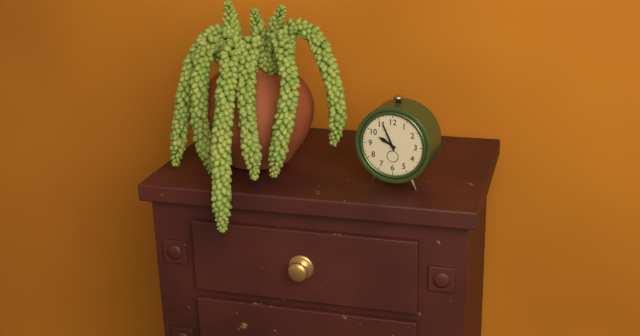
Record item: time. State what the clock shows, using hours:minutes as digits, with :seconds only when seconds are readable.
9:56
